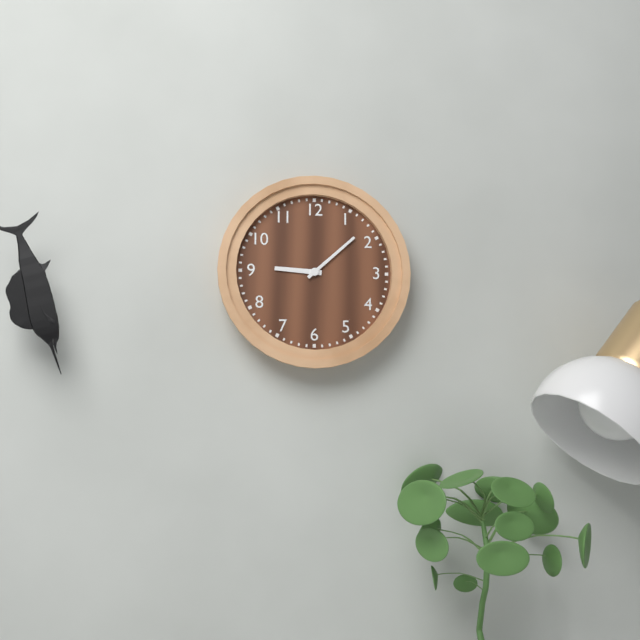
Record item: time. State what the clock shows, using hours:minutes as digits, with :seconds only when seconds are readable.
9:08
